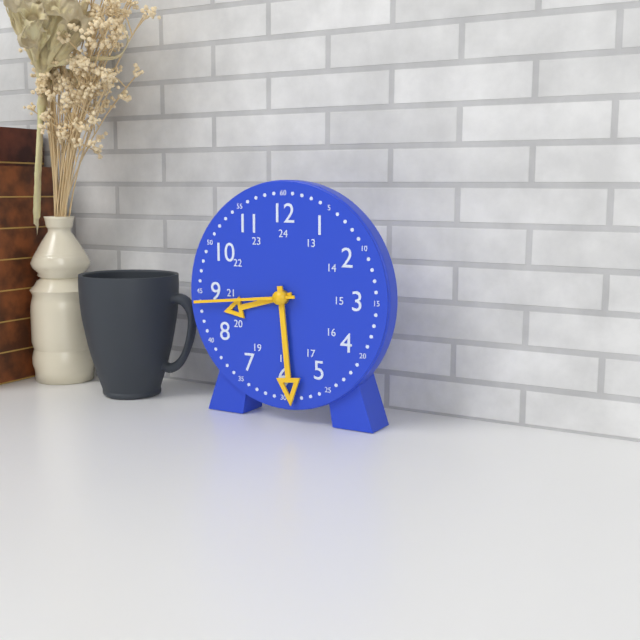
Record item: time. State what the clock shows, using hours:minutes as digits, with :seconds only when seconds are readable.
8:29:44
